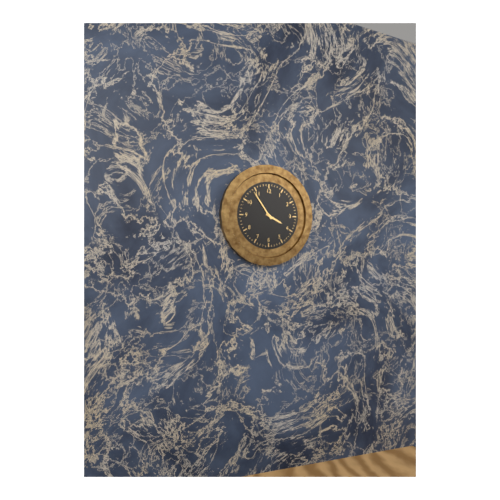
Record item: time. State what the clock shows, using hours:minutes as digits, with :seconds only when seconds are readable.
3:54
